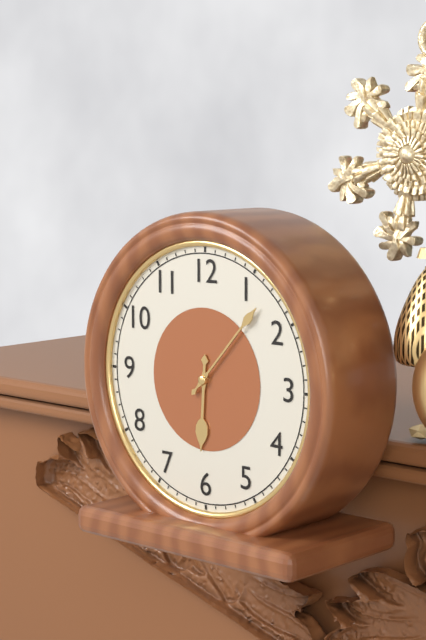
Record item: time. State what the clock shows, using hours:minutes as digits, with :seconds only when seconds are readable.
6:07
